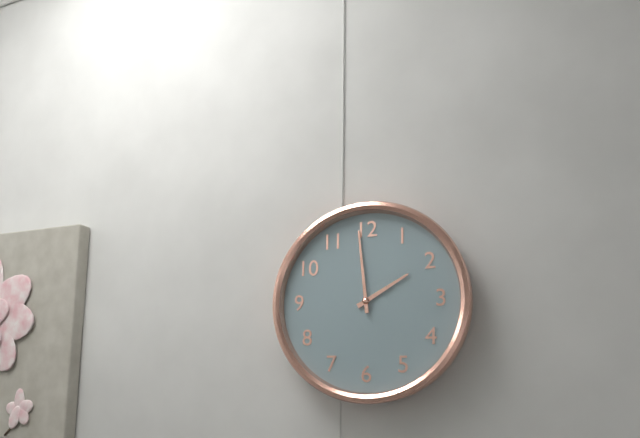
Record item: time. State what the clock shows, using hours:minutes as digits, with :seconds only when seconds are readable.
1:59
